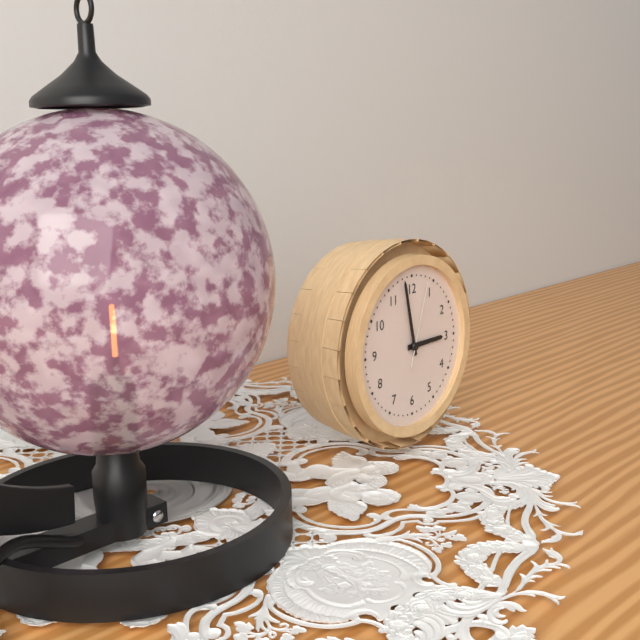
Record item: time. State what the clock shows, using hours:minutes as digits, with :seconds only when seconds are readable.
2:58:03
